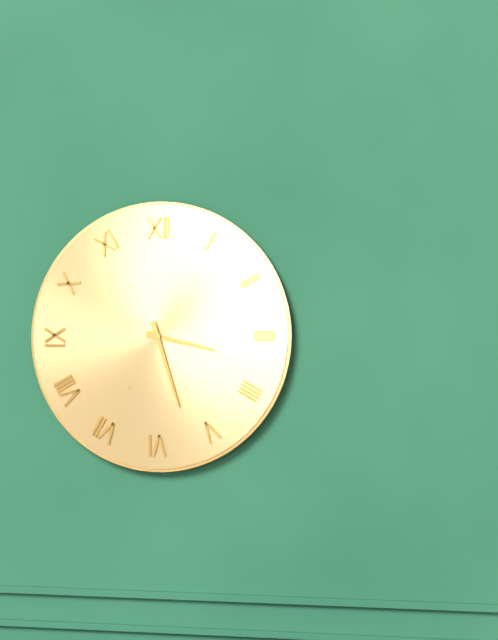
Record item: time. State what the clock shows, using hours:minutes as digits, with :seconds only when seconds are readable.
3:27
